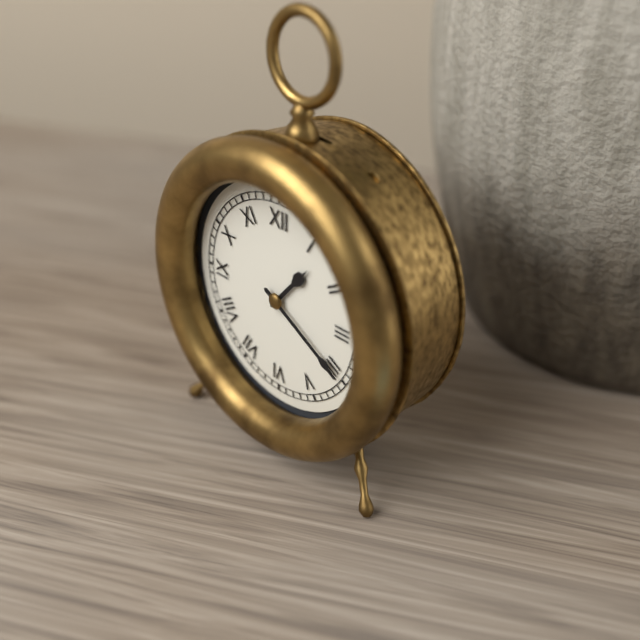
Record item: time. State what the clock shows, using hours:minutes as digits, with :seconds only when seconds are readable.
1:20
